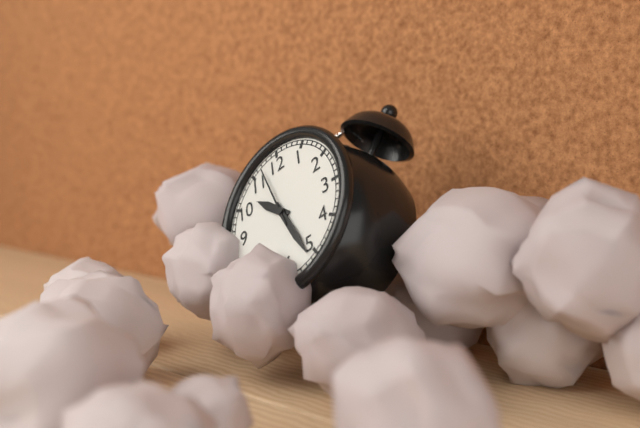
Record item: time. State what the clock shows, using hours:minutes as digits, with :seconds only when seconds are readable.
10:26:57
